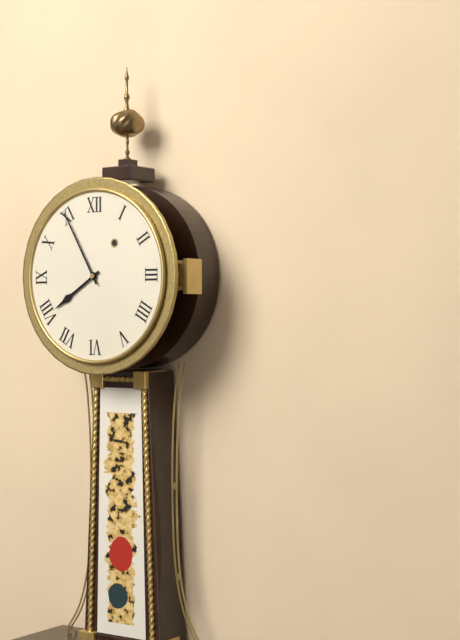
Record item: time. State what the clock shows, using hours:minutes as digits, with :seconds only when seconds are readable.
7:55
